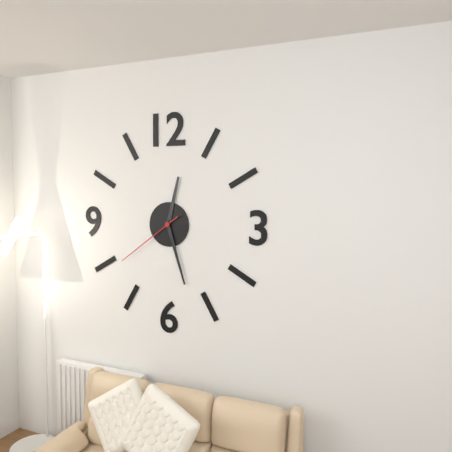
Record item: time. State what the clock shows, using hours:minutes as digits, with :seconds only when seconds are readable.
12:27:39
